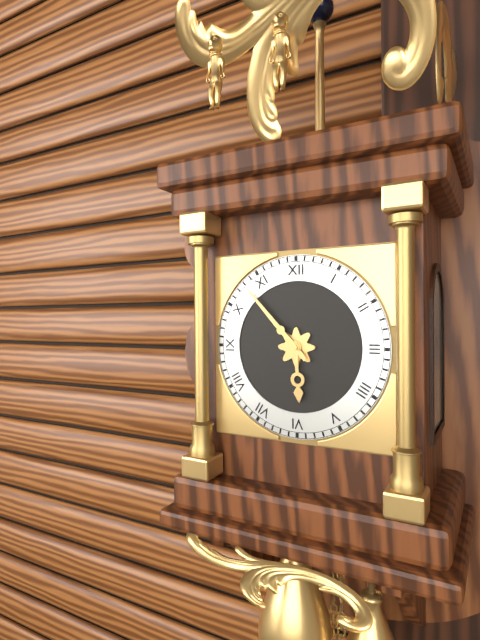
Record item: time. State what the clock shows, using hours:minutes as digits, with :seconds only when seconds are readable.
5:53
